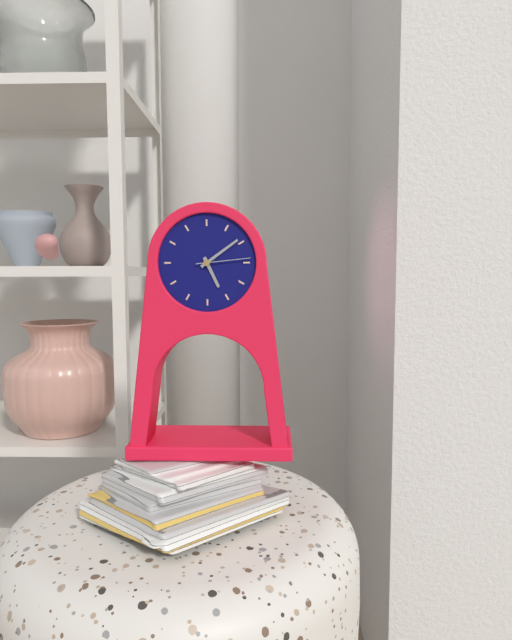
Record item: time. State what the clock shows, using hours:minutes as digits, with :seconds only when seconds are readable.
5:09:14
